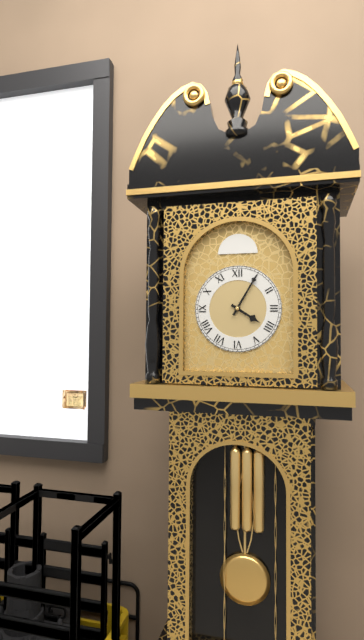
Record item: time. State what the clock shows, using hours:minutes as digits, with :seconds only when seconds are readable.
4:05
